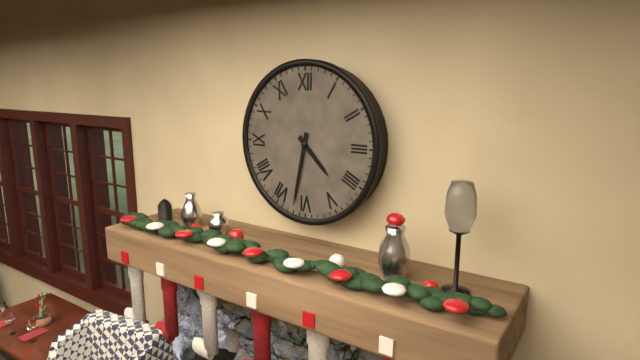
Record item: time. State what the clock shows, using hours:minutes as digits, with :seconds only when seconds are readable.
4:32
